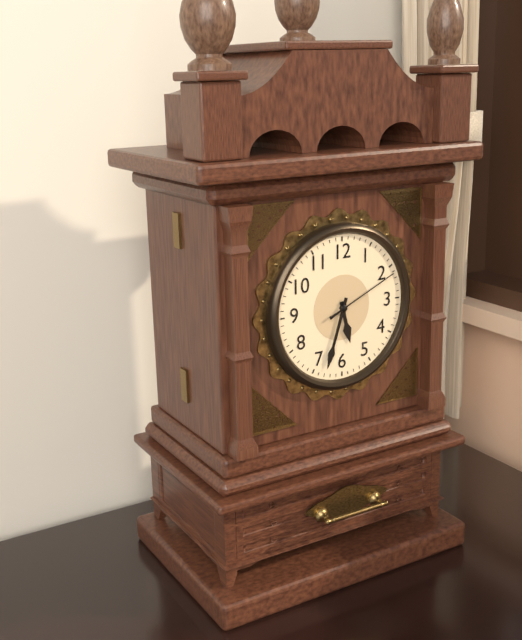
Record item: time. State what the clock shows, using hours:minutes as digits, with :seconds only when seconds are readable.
5:33:11
